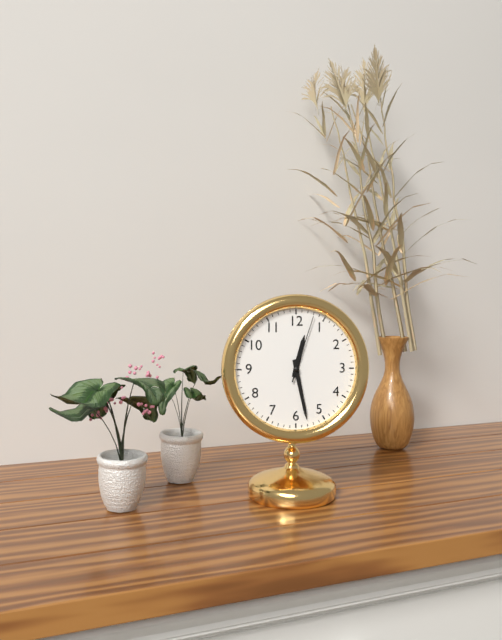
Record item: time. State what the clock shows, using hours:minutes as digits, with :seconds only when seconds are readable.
12:28:03
